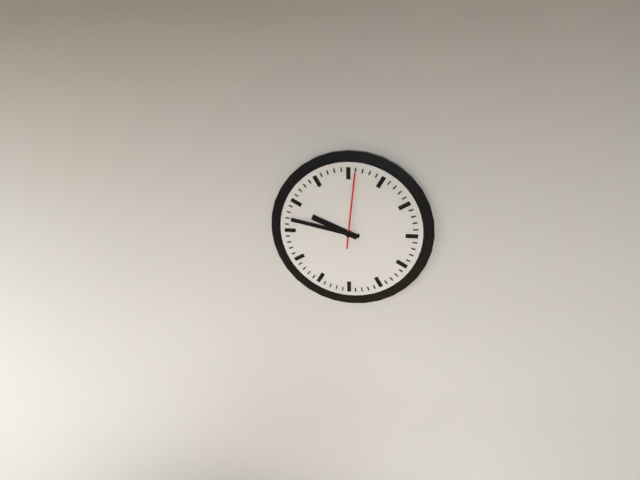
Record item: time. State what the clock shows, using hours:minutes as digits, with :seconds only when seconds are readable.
9:47:01
